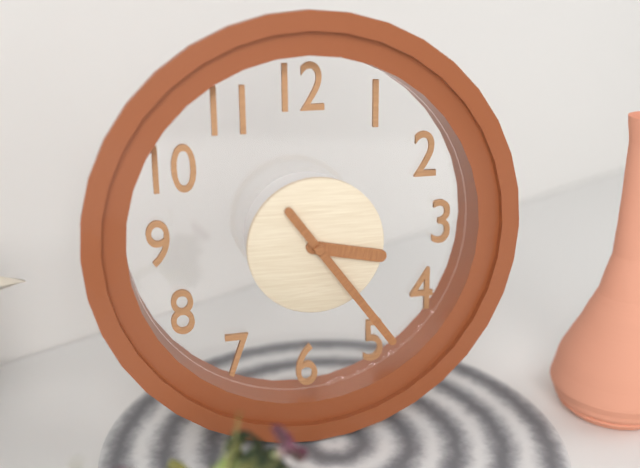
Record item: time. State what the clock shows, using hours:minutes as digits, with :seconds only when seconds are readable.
3:24
